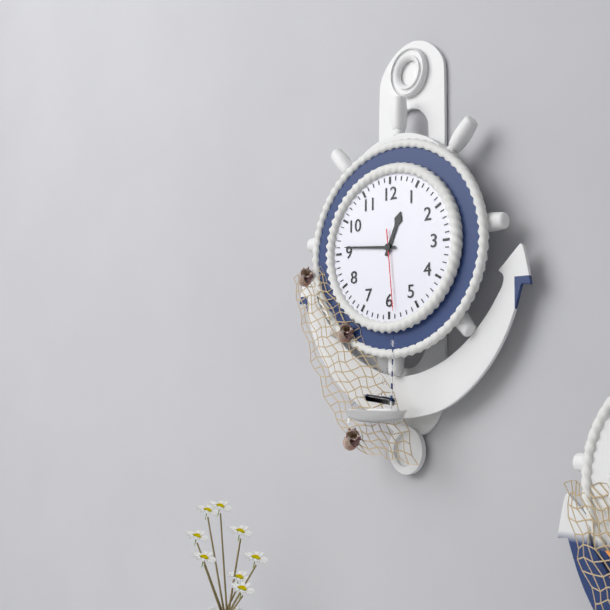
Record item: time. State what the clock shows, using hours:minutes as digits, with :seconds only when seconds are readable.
12:46:29
